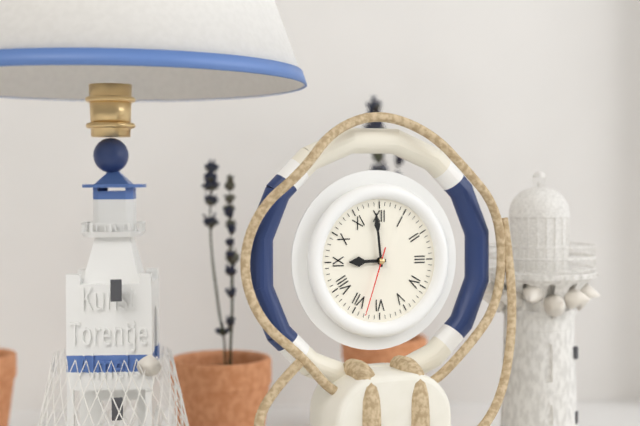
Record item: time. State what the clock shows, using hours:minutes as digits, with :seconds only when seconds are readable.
8:59:33
